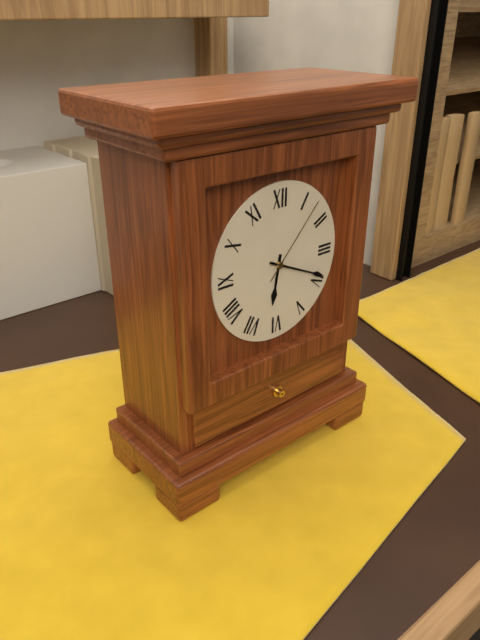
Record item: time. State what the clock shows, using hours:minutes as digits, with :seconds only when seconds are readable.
6:19:07
